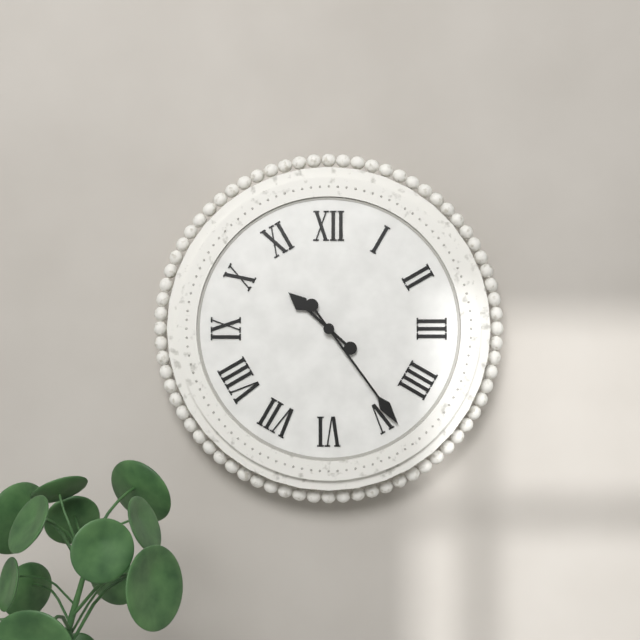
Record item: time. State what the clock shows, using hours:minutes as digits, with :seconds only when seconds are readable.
10:24
